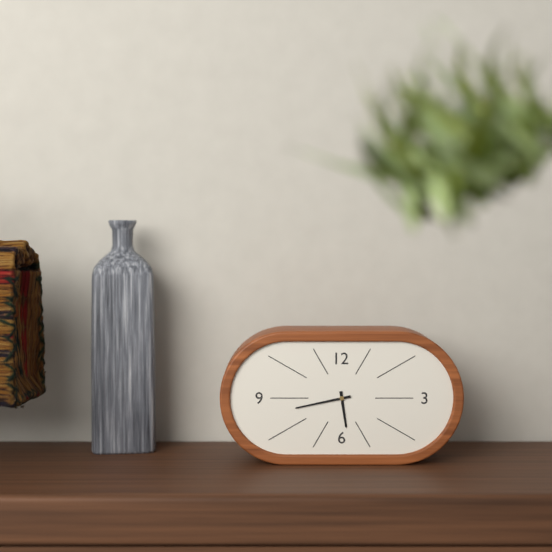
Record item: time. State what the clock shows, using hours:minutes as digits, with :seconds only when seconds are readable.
5:43
